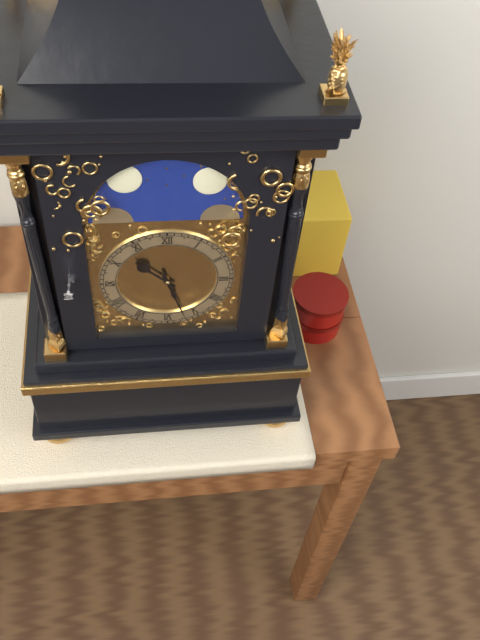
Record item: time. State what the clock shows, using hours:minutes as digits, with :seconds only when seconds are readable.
10:27
